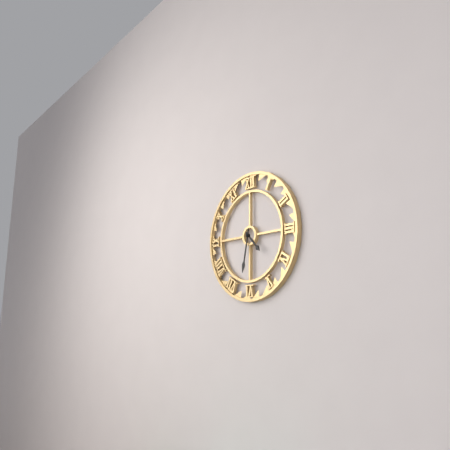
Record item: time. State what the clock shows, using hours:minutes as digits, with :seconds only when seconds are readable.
4:32
